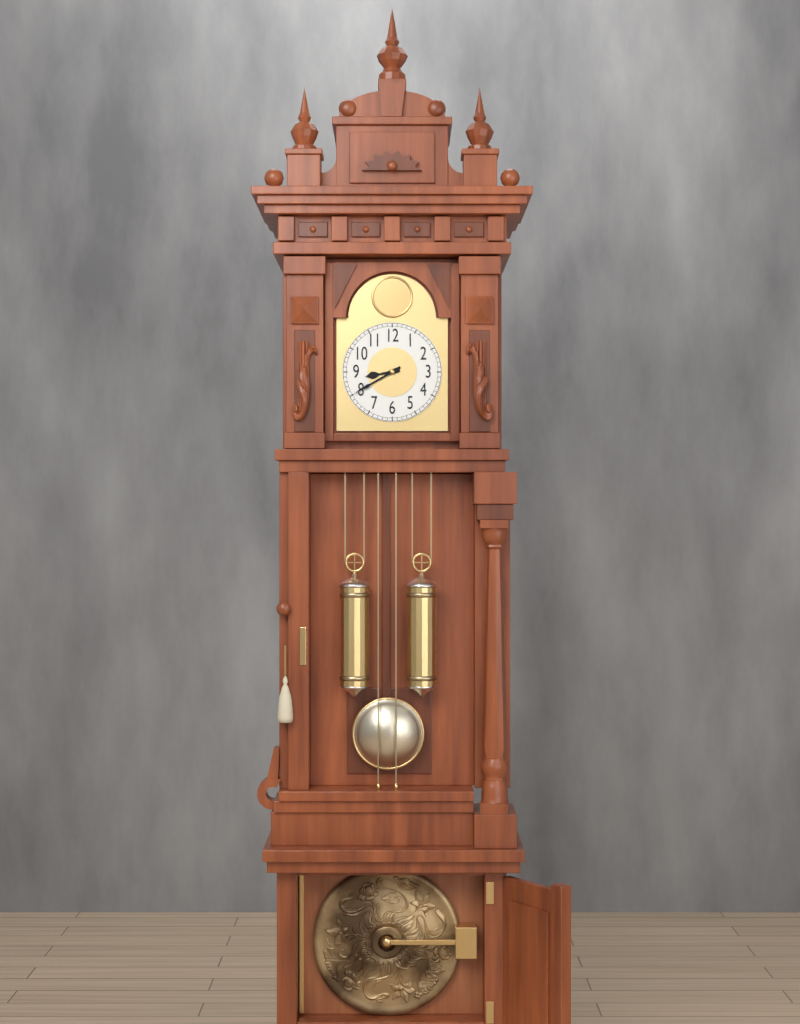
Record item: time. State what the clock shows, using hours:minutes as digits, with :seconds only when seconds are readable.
8:40
